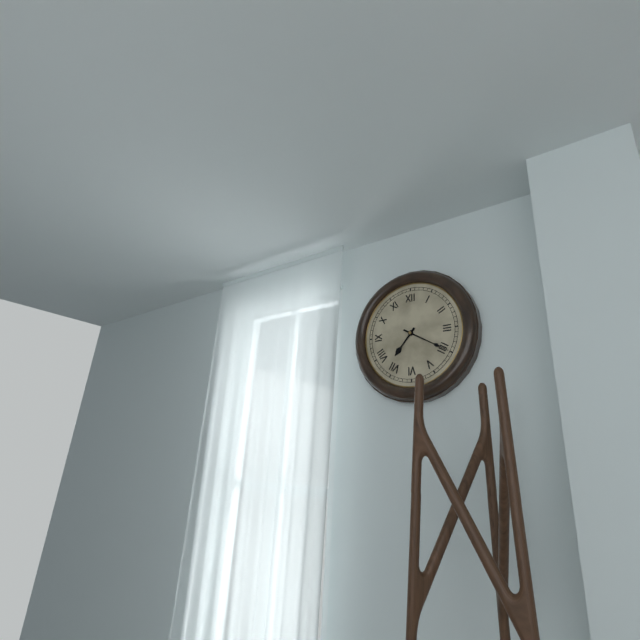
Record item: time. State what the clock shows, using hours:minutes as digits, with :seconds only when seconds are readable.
7:20
